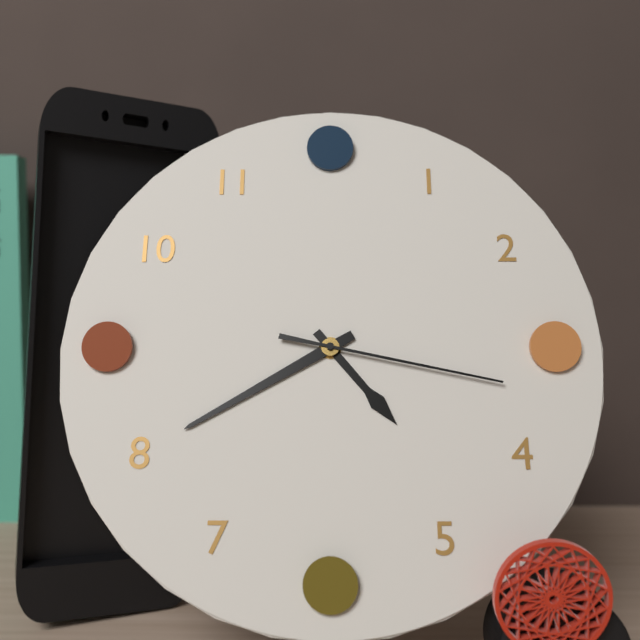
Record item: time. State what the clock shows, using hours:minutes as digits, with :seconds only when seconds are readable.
4:40:17
